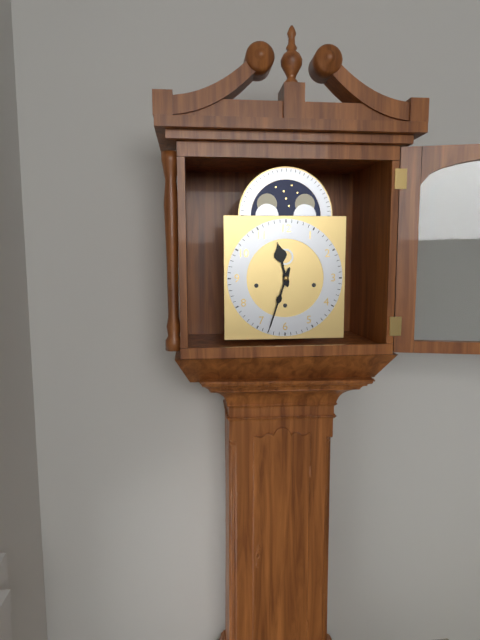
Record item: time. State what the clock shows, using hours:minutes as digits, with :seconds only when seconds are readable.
11:33
